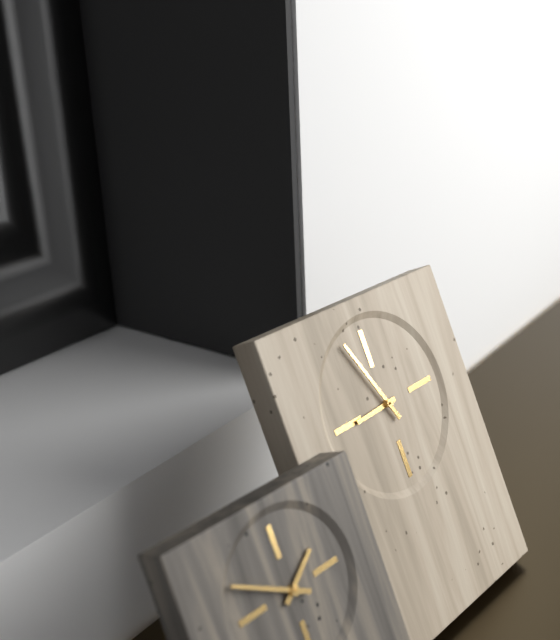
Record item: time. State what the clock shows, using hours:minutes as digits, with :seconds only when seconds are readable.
8:56
